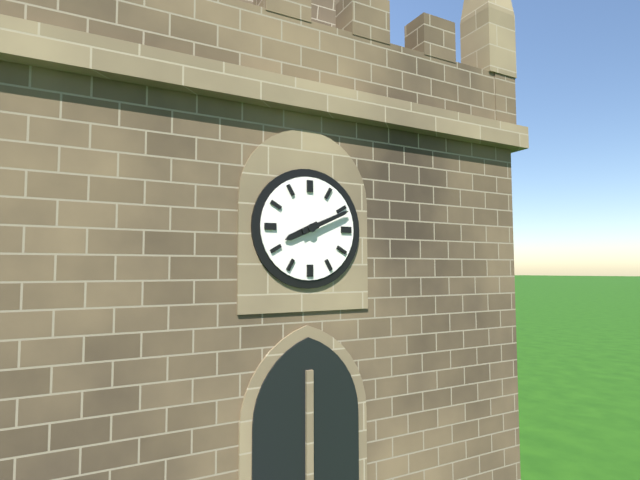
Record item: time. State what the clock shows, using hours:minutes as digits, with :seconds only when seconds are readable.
8:11
